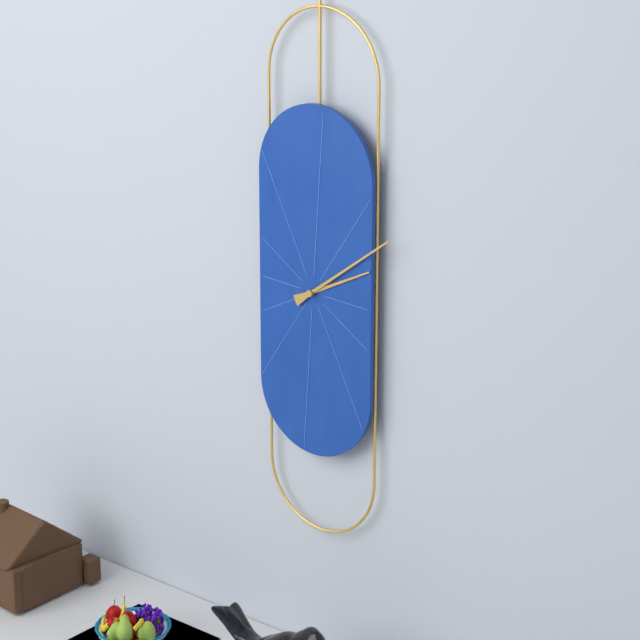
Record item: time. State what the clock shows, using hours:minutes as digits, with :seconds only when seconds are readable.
2:09
